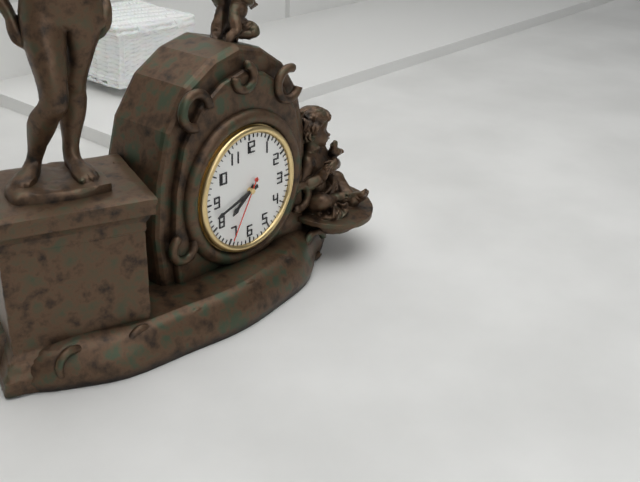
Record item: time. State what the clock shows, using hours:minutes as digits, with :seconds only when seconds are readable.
7:42:35
